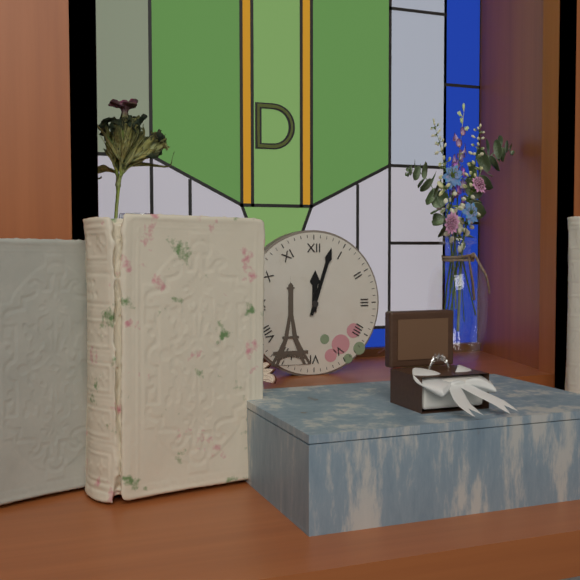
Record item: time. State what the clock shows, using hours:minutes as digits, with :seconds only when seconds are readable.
12:03
